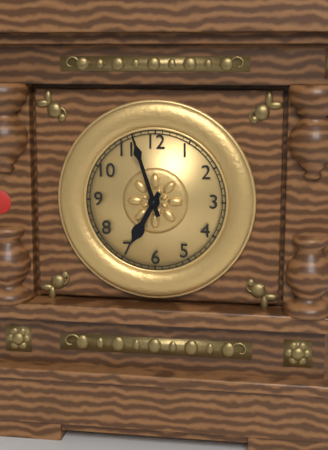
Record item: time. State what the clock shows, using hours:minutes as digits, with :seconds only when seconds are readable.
6:57
